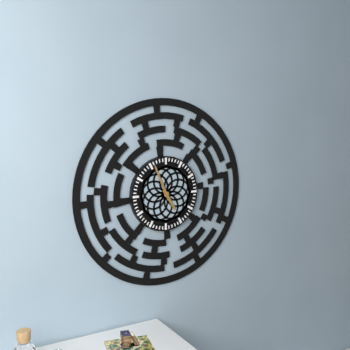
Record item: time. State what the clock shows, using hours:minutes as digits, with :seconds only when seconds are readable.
4:56
